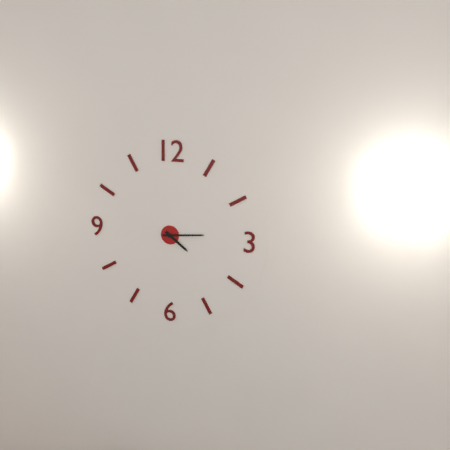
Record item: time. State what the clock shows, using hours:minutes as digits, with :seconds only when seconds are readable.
4:14
